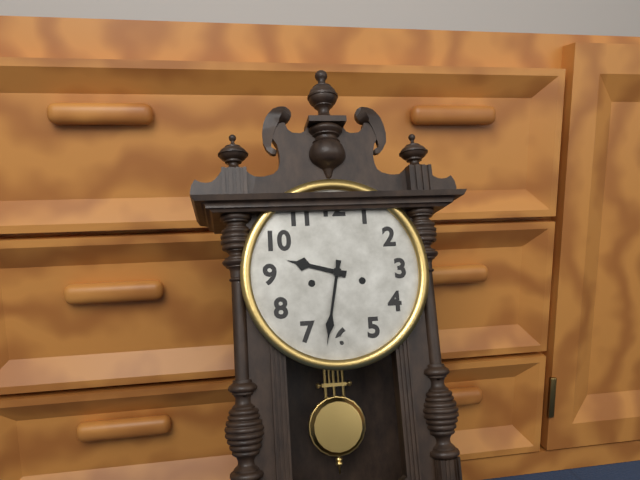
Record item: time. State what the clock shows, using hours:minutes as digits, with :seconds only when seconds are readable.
9:32
